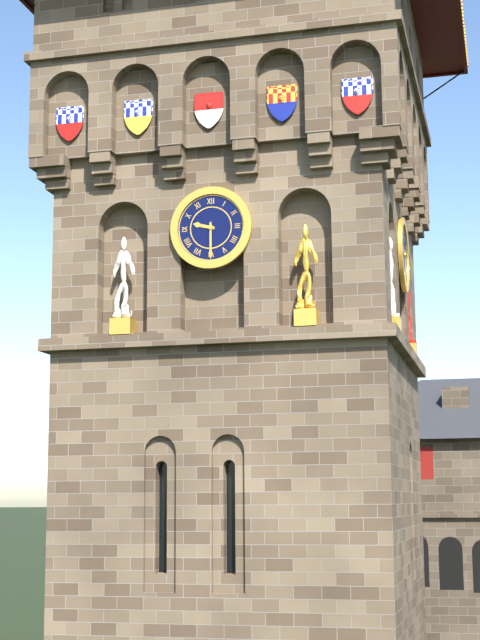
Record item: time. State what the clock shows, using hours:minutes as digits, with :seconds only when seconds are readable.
9:30
